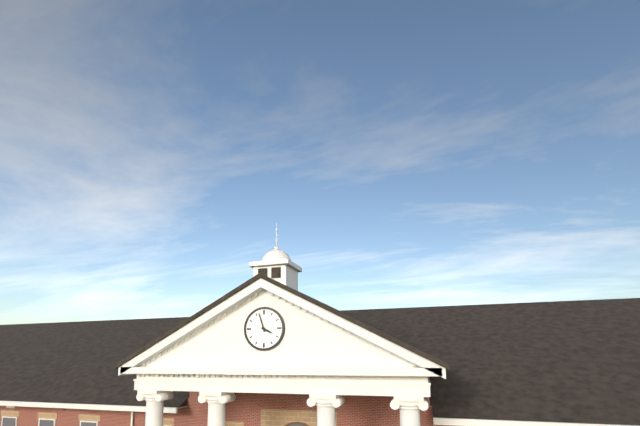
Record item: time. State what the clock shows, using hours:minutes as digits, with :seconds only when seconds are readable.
3:57
